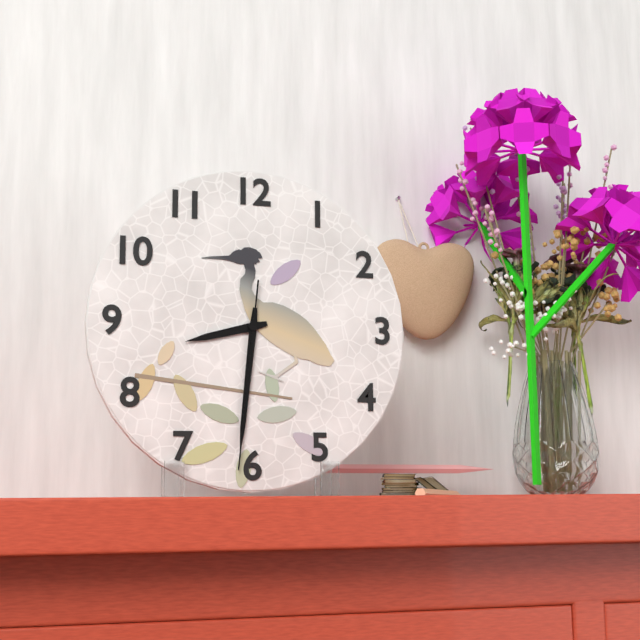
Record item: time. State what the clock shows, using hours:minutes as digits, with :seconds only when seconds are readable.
8:31:31
